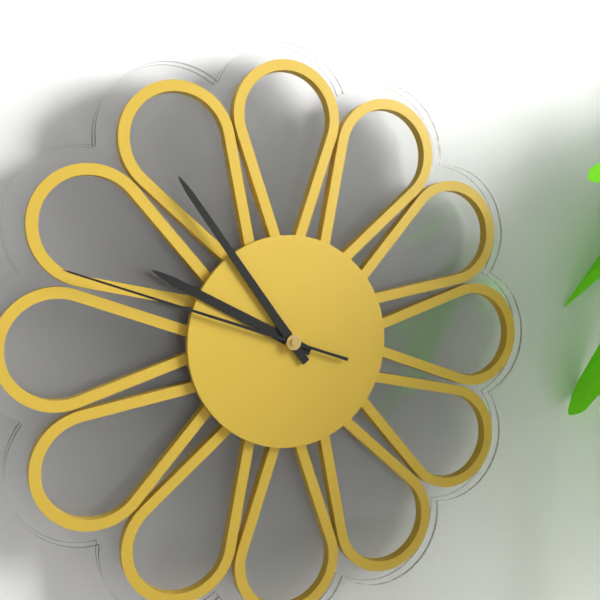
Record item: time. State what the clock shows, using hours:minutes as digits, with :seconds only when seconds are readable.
9:54:48
